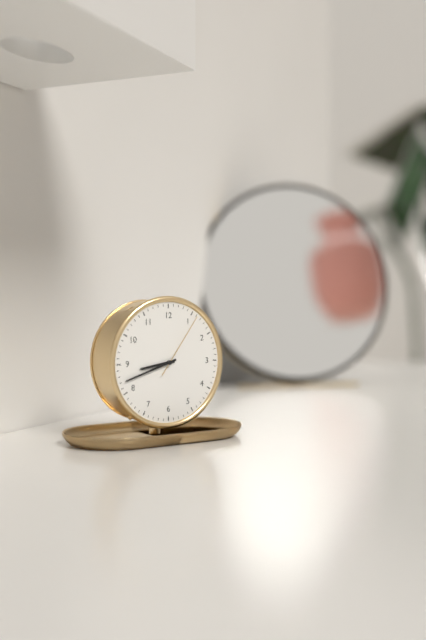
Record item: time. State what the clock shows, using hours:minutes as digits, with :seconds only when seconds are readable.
8:42:06
